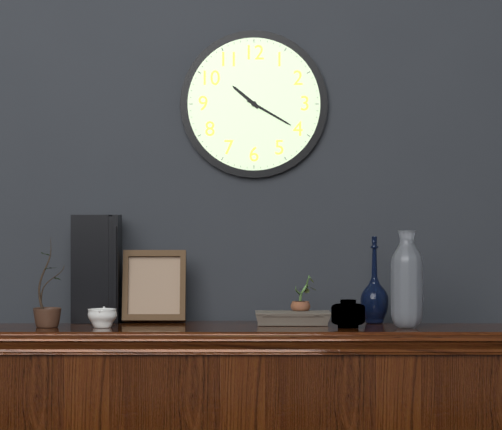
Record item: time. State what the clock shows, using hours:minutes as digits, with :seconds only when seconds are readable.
10:20
